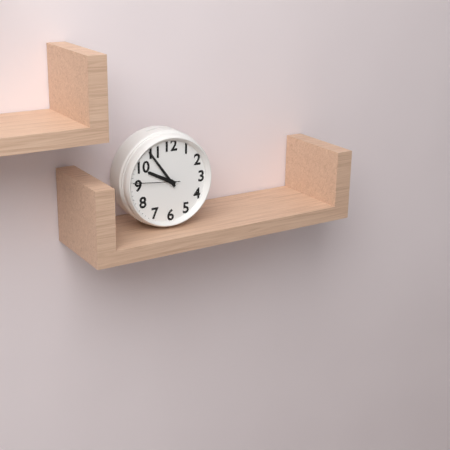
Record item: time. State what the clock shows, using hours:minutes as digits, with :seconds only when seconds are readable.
9:54
